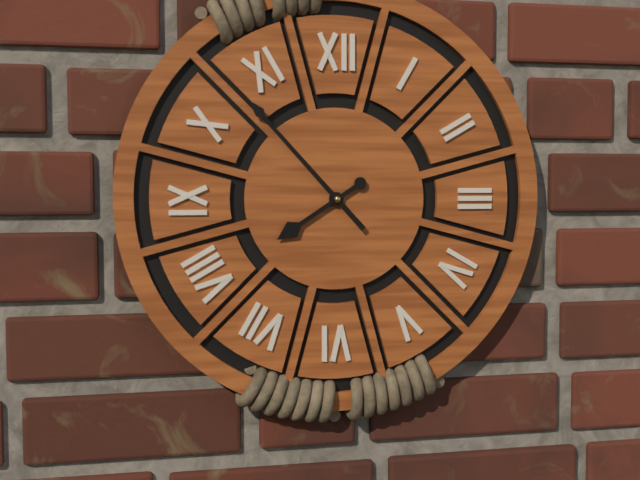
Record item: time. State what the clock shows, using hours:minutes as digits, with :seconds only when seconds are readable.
7:53
